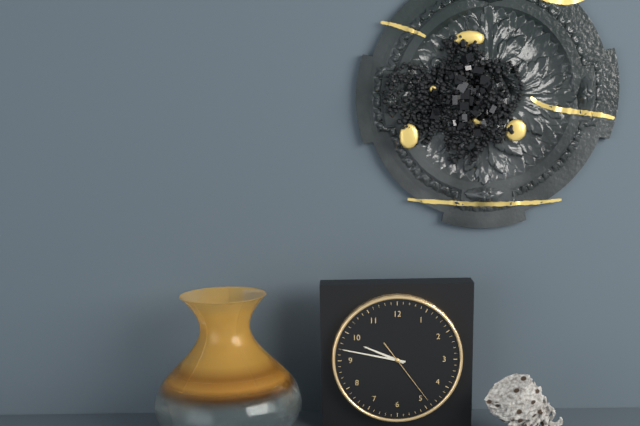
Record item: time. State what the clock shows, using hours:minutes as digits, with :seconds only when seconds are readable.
9:47:24
